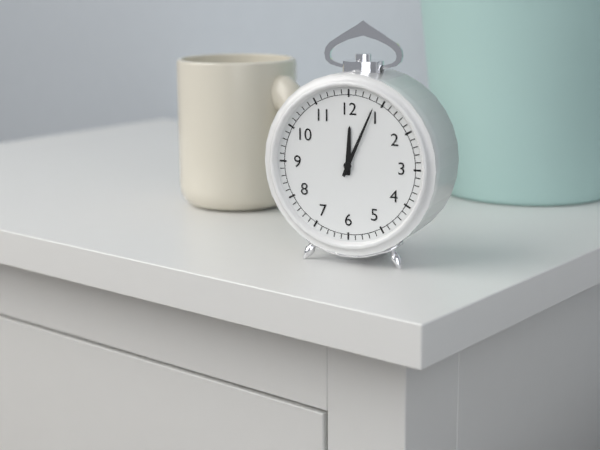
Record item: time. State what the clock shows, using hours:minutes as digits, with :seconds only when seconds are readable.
12:04
